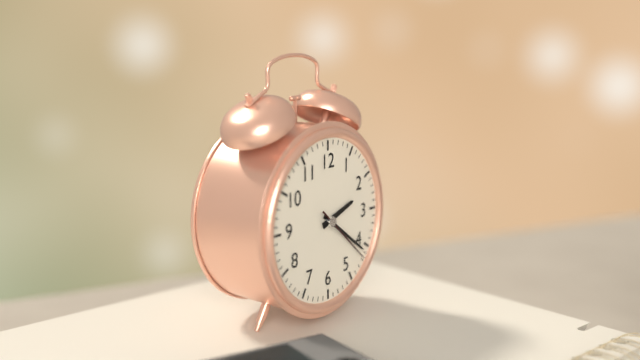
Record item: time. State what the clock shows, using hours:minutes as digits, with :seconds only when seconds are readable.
2:21:22
